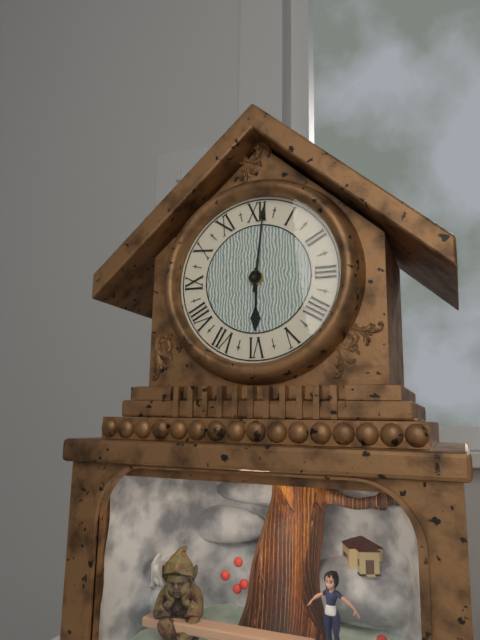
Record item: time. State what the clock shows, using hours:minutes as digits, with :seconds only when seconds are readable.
6:01
